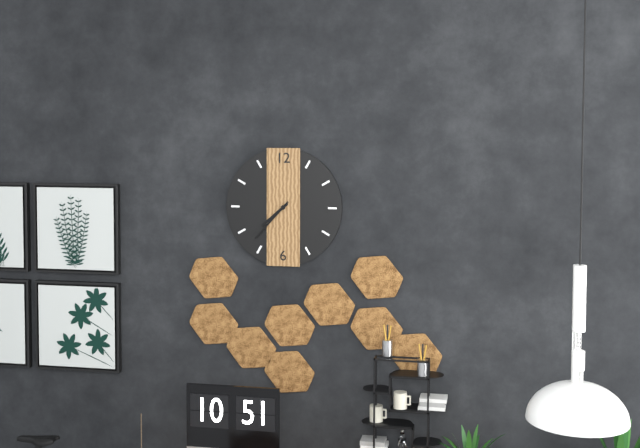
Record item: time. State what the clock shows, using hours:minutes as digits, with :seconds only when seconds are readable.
7:37
